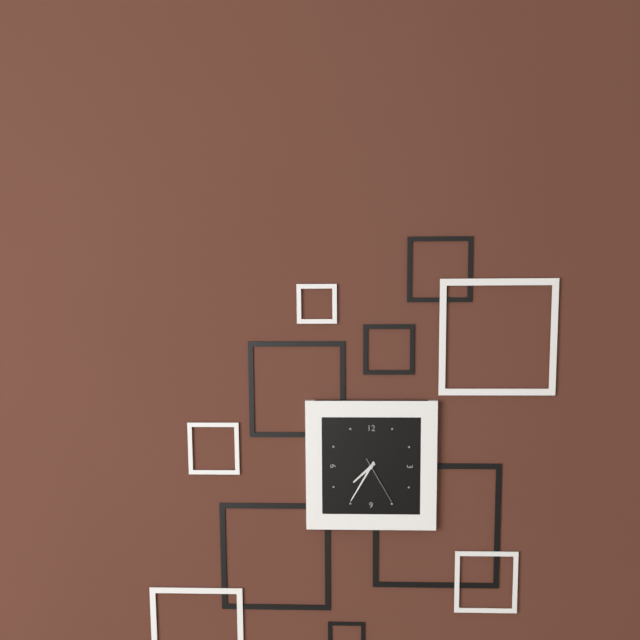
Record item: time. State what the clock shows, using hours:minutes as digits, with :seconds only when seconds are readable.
7:35:25
